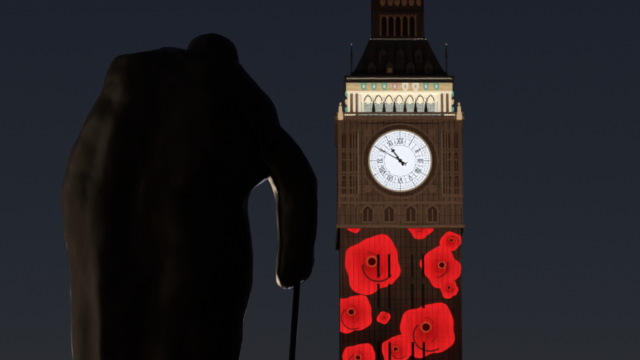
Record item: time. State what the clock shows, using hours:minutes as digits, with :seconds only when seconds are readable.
10:50
